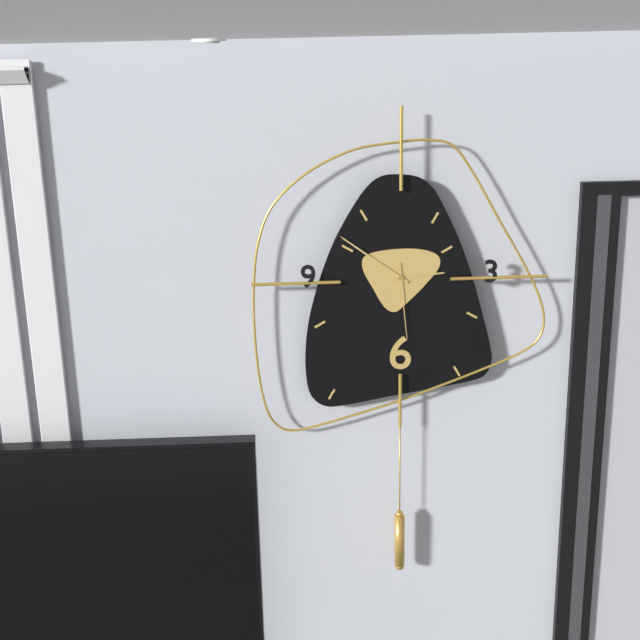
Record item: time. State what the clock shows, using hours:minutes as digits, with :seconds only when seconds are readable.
2:51:29
